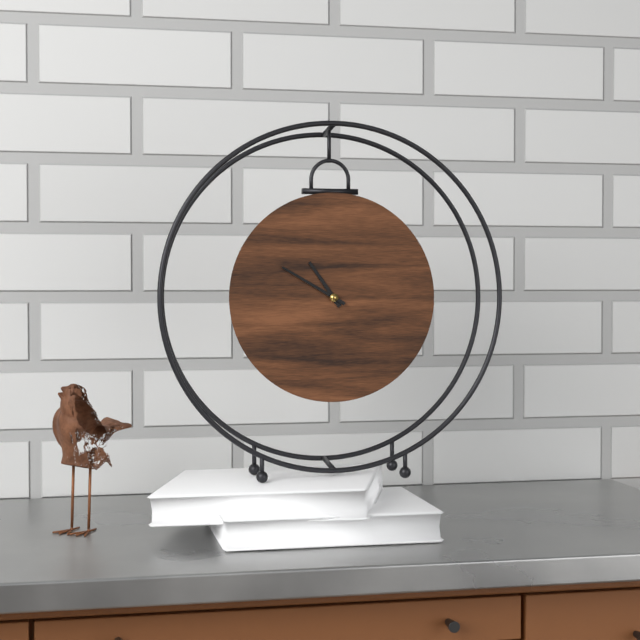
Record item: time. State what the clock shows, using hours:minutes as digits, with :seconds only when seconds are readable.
10:50
